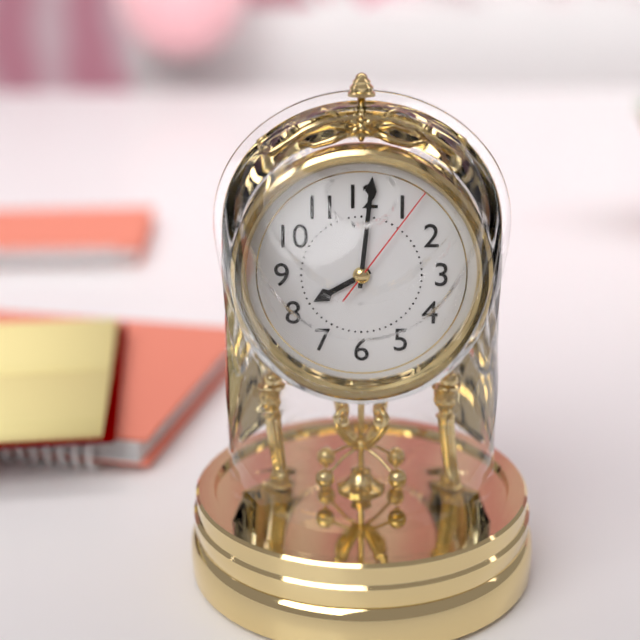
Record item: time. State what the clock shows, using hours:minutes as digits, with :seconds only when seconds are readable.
8:01:06
